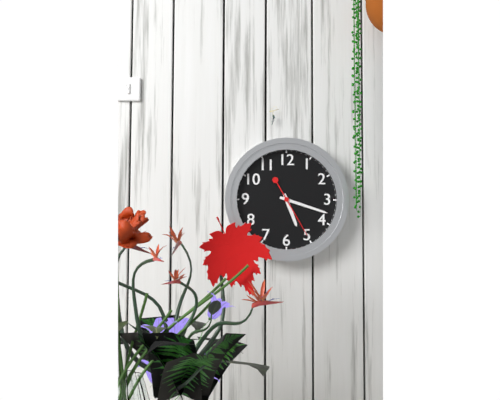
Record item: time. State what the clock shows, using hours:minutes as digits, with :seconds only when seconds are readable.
5:18:25
